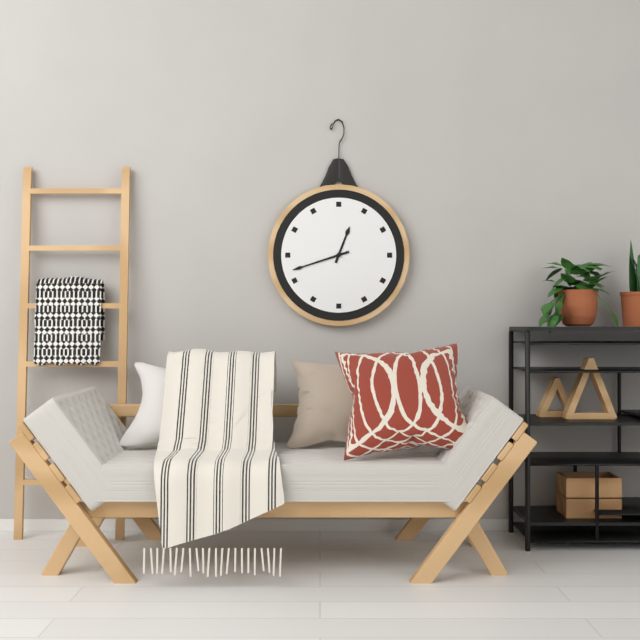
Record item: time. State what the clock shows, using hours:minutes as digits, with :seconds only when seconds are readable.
12:42
